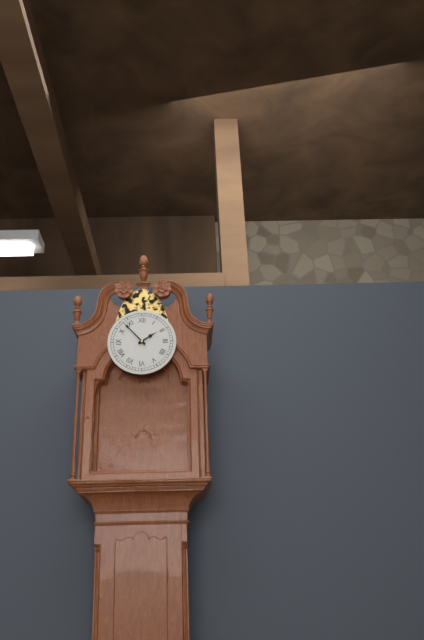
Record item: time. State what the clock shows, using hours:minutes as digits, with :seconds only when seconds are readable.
1:53
